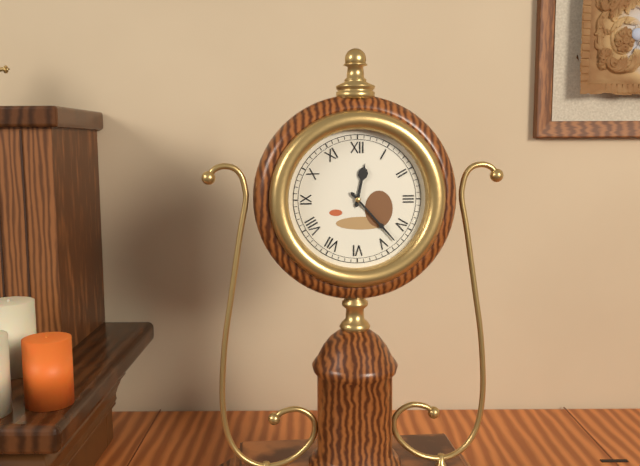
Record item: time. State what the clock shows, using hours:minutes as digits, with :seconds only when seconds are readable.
12:23
